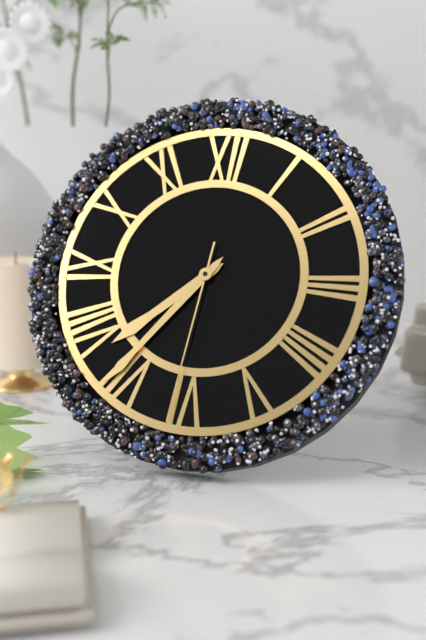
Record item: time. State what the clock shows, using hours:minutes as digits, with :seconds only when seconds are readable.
7:36:31
